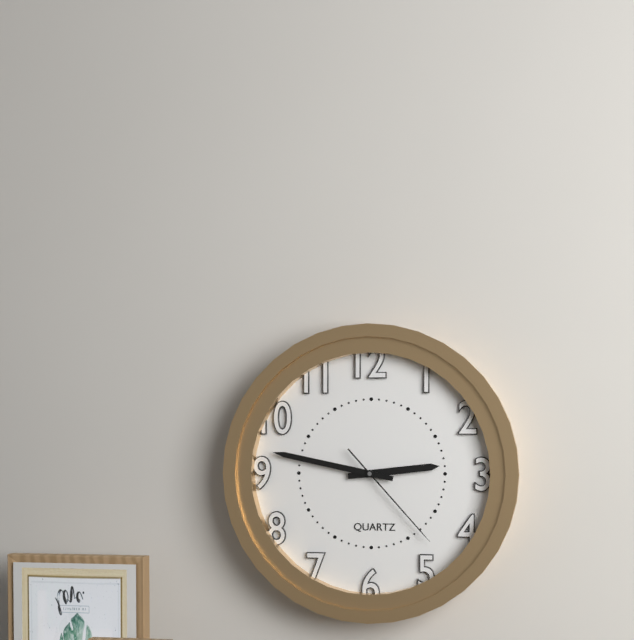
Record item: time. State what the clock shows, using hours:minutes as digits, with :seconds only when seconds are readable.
2:47:23
